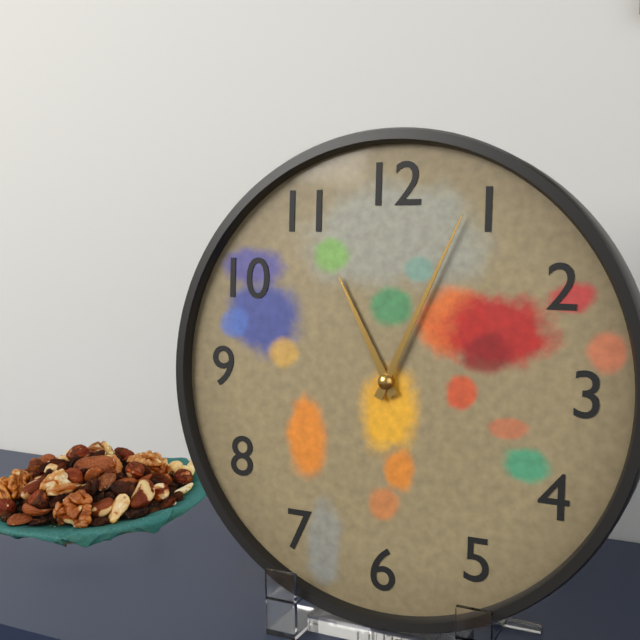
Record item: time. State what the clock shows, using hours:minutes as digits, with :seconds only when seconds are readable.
11:04
